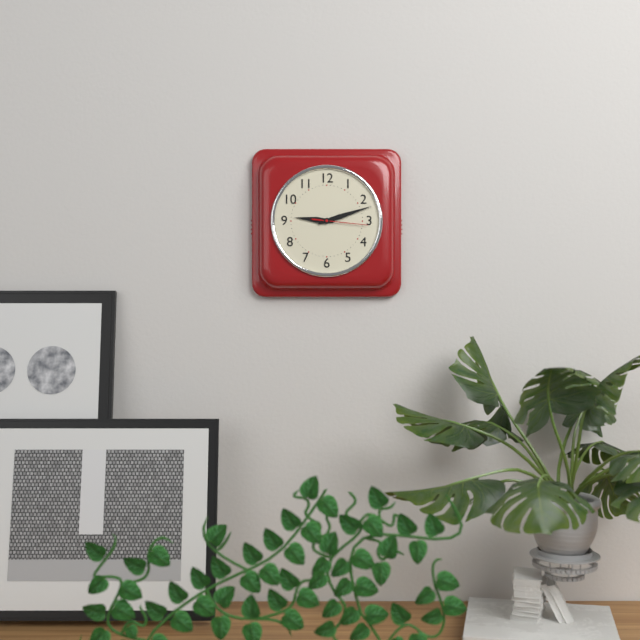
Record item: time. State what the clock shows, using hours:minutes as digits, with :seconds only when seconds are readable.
9:12:16
